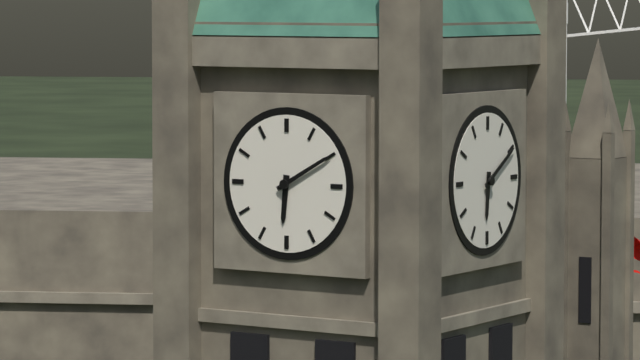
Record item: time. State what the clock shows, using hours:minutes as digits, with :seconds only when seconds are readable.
6:10
